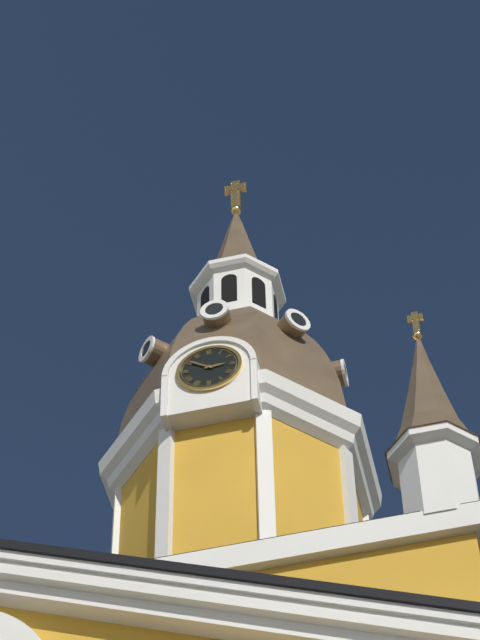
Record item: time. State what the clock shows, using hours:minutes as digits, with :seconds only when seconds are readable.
2:51
